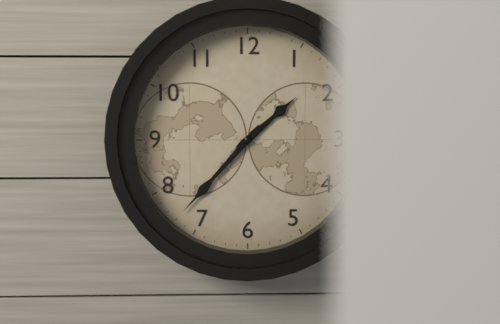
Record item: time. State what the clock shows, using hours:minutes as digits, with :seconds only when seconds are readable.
1:37
